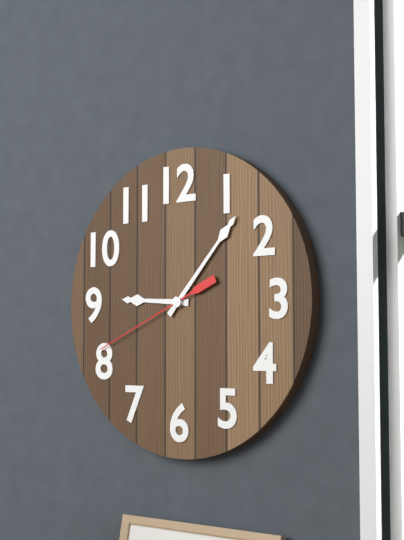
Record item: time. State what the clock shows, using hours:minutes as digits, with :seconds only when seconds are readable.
9:07:41
